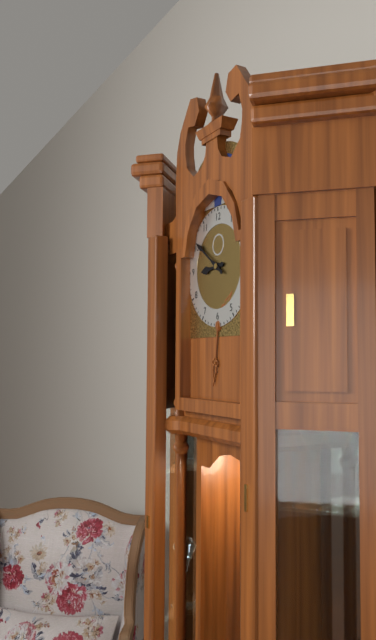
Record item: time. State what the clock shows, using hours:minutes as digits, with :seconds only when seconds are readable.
8:51
